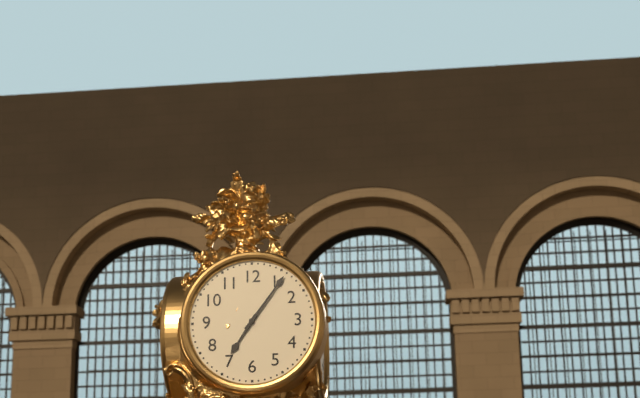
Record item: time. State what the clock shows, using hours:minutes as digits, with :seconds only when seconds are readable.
7:06
